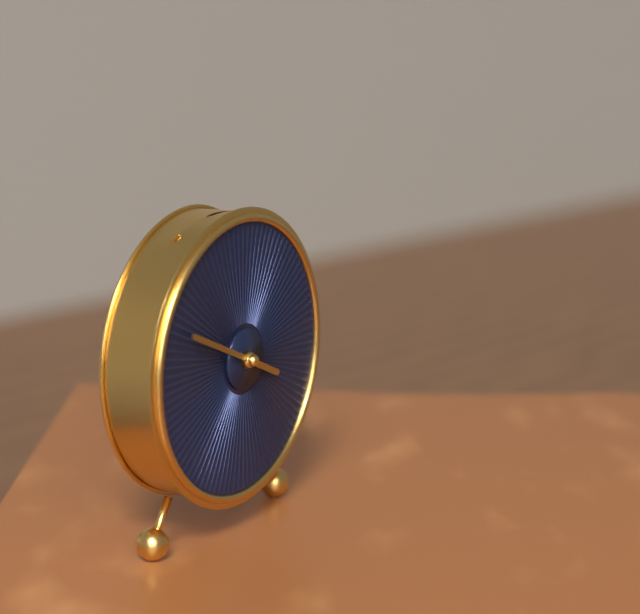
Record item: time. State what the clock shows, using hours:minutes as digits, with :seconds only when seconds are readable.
3:49
